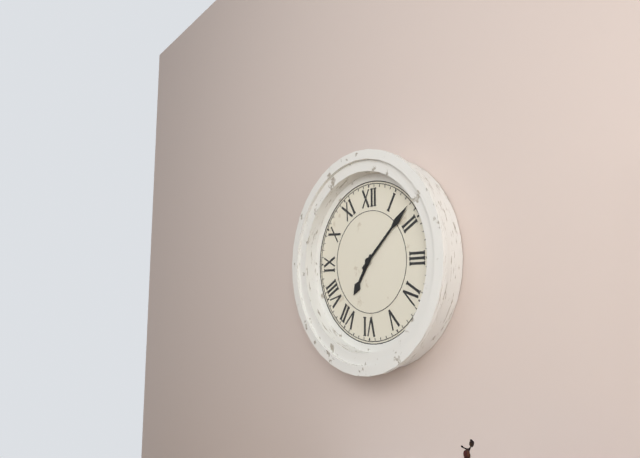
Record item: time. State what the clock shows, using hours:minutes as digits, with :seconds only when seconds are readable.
7:08
